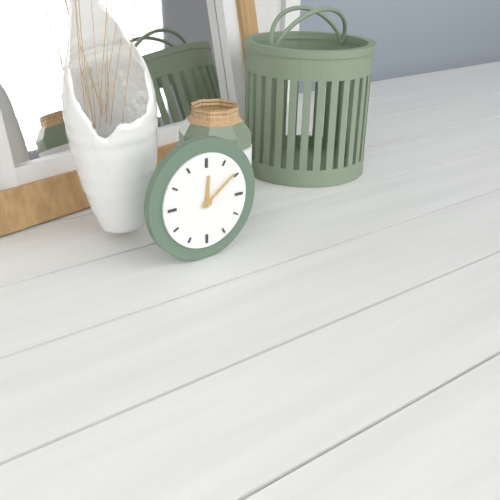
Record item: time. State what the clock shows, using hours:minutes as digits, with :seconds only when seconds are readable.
12:09
